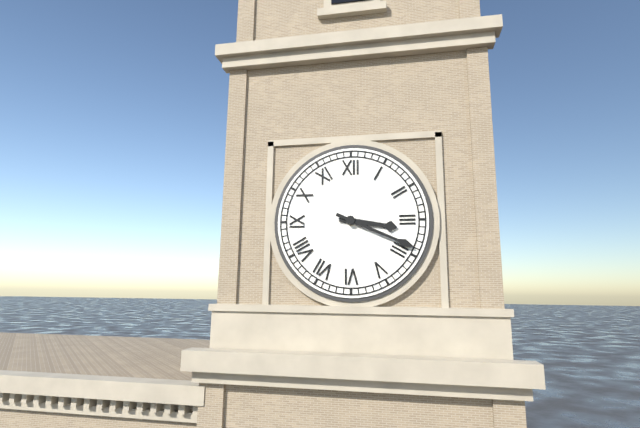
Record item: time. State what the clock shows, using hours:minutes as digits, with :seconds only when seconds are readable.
3:19
